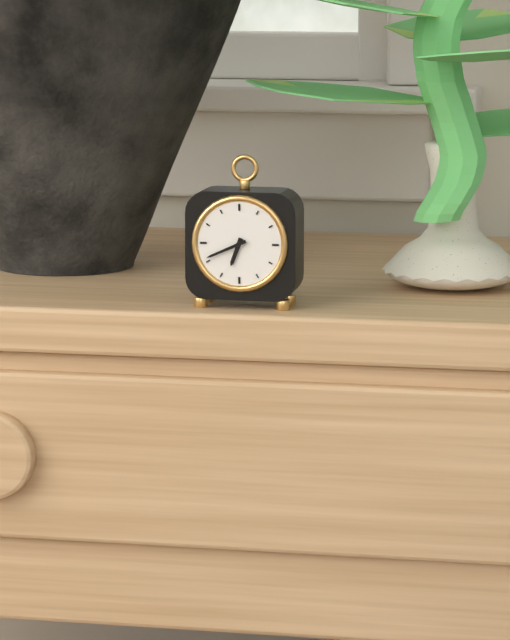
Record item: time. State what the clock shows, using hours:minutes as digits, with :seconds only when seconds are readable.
6:41
